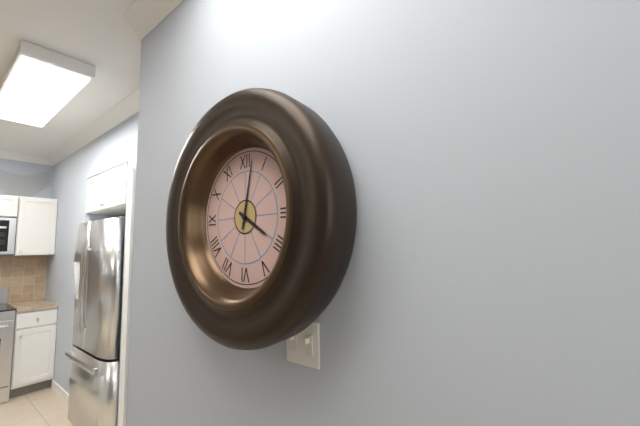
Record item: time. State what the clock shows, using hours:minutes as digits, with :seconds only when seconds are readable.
4:02
